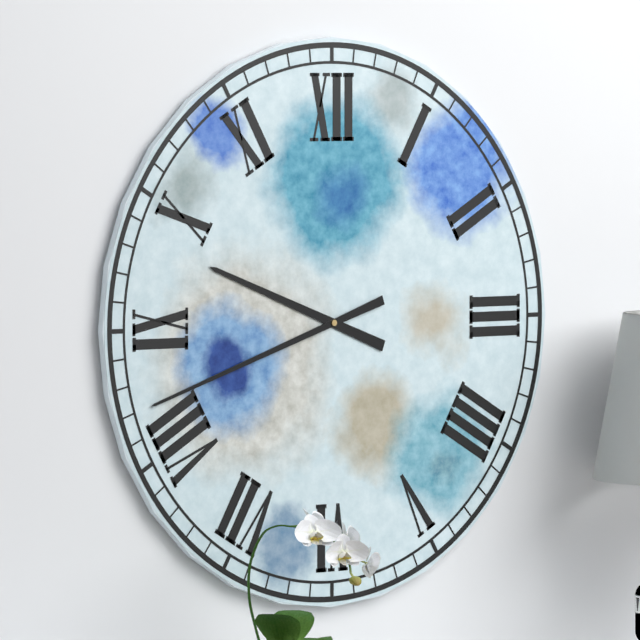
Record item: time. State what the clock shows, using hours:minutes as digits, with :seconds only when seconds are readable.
9:42
